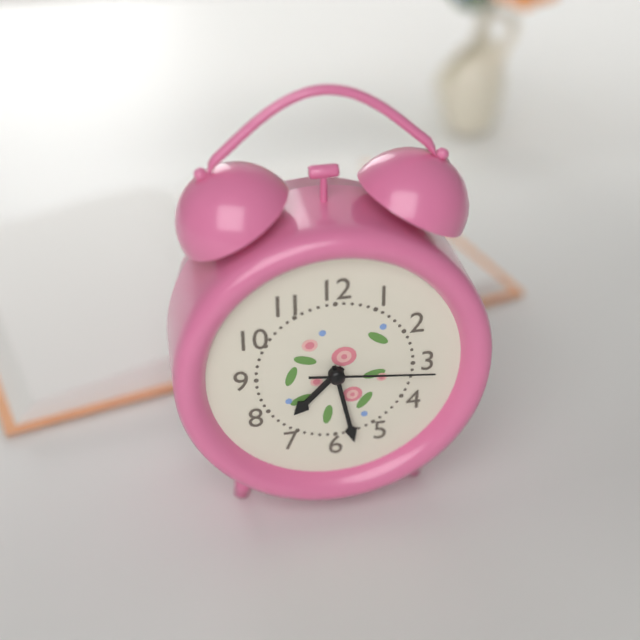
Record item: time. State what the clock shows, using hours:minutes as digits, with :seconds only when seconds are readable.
7:28:16
